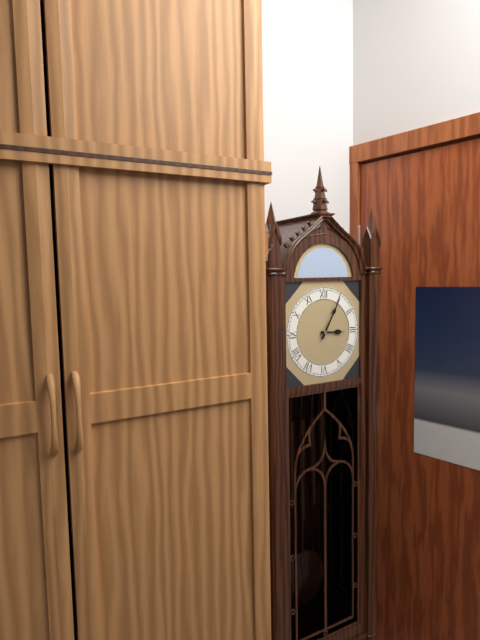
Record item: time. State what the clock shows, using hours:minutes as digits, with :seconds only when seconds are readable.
3:05
